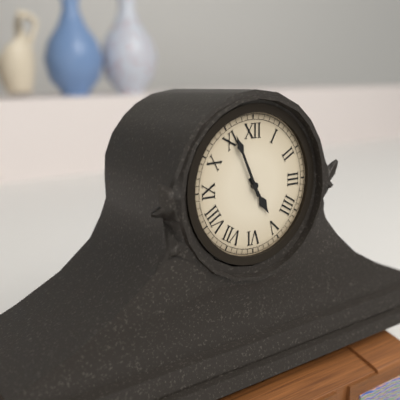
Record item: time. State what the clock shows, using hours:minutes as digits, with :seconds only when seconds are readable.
4:56
